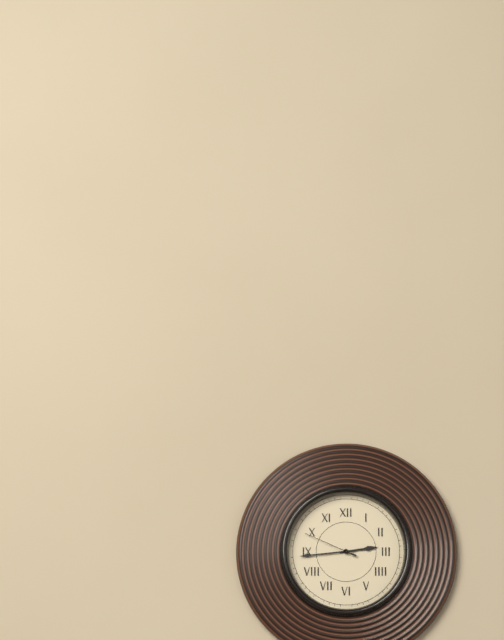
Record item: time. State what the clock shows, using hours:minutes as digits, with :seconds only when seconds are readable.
2:44:49
